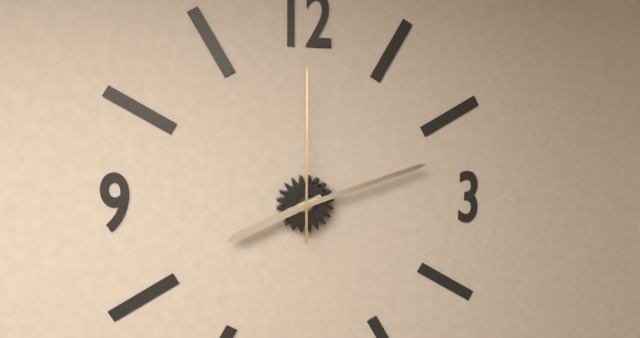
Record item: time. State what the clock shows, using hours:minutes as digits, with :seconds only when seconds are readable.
8:12:00
